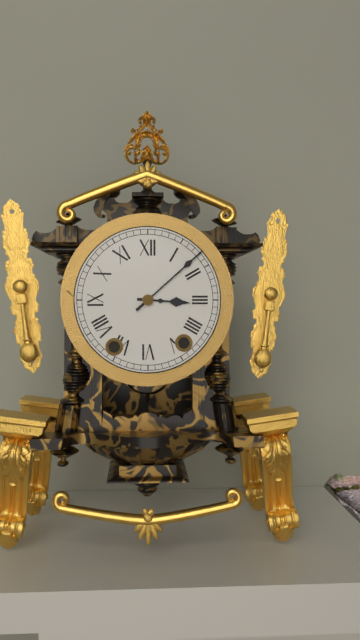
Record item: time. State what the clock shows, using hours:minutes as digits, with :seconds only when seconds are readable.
3:08
